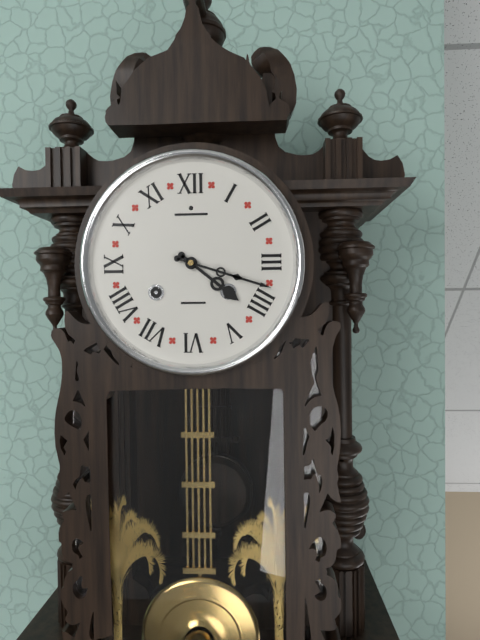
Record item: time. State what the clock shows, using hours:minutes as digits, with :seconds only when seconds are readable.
4:18
